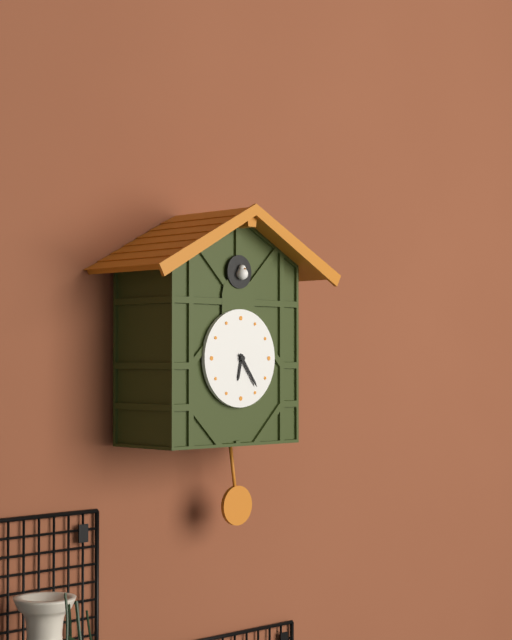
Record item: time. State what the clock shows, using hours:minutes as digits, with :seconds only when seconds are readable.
6:24
